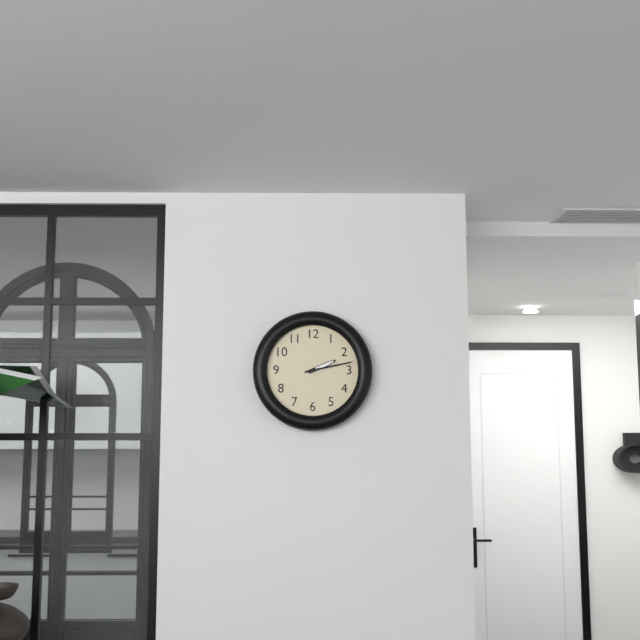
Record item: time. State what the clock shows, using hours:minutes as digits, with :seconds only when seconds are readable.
2:13
